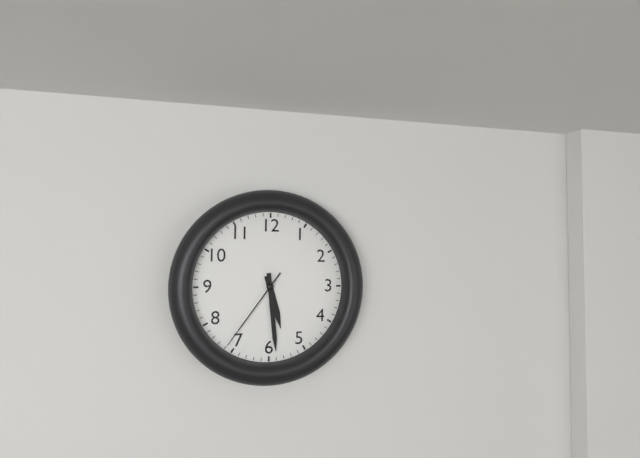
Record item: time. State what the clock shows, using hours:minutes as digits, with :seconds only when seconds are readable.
5:29:36
